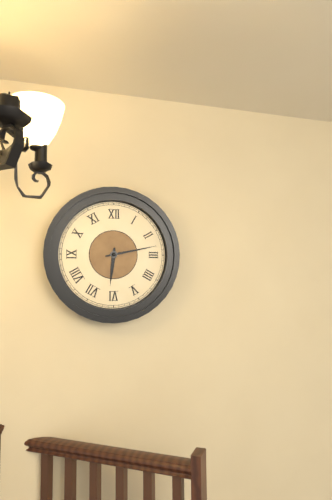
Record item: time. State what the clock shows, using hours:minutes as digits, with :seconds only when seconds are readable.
6:13
